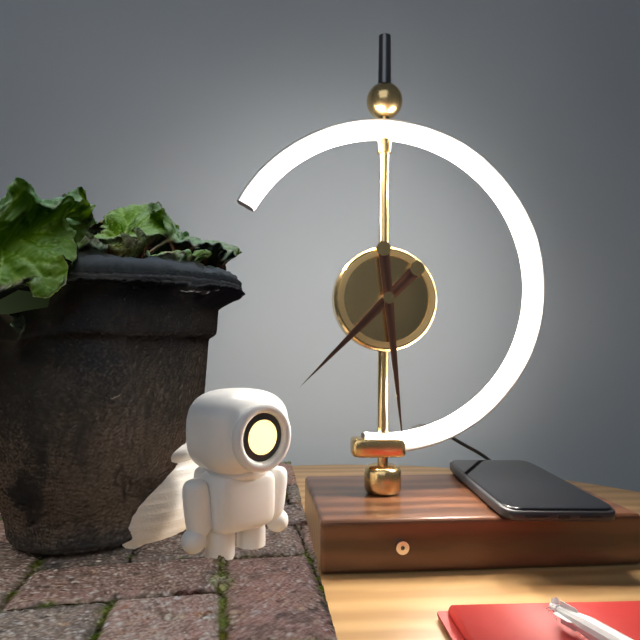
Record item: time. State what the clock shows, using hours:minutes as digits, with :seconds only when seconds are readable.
7:29
